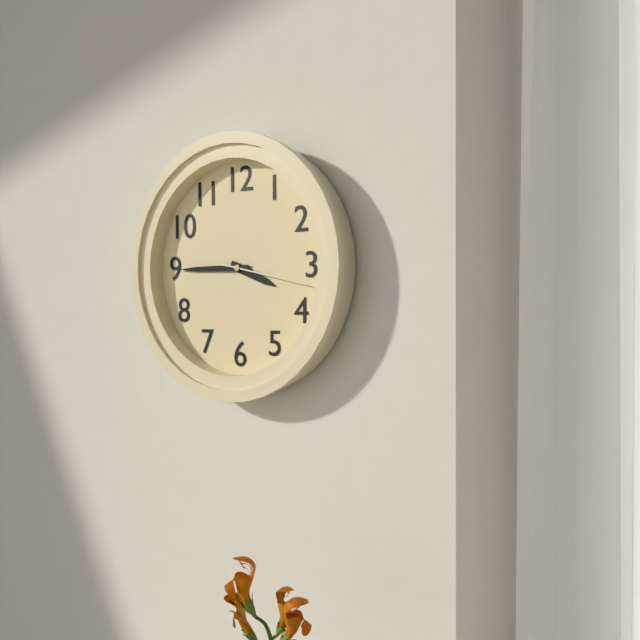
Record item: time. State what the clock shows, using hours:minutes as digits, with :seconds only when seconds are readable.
3:45:17
